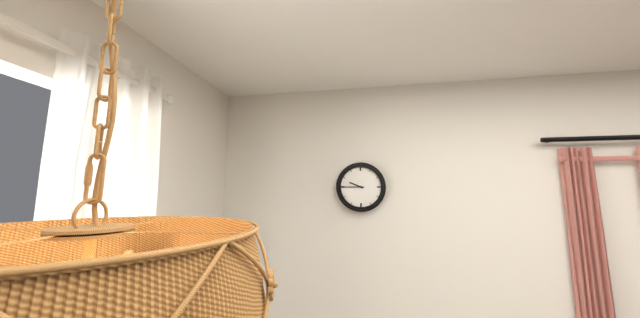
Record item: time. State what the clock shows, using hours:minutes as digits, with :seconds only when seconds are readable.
9:45
